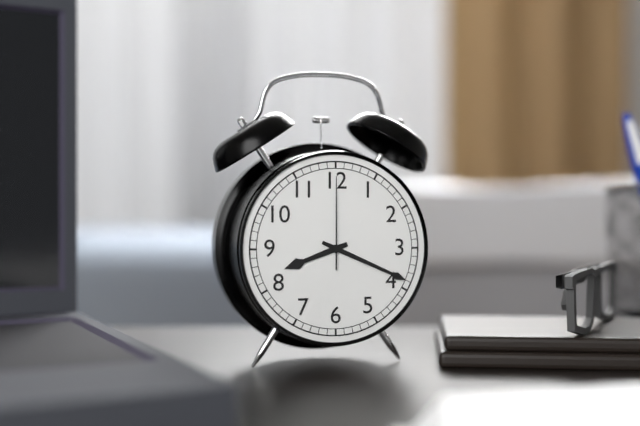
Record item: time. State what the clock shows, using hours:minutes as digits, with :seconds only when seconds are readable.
8:19:00
